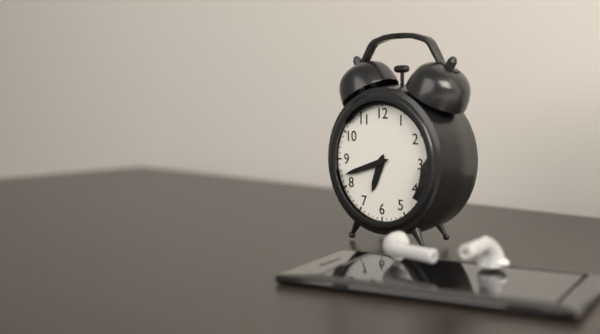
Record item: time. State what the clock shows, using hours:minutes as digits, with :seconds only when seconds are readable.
6:42
